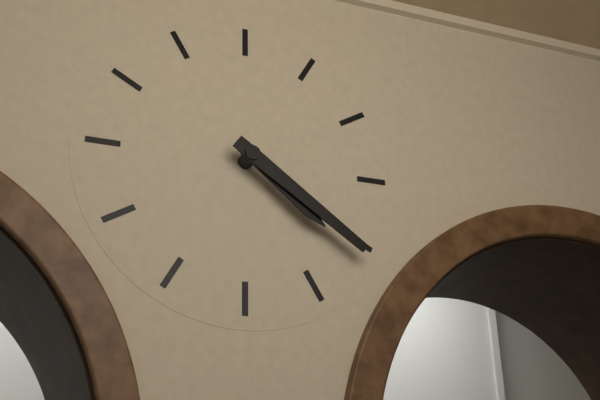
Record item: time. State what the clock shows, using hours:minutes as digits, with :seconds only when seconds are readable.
4:21
